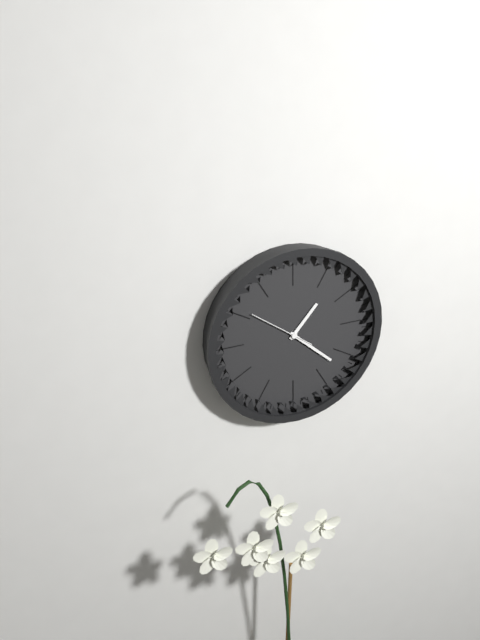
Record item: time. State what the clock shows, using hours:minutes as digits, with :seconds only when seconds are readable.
1:22:51
